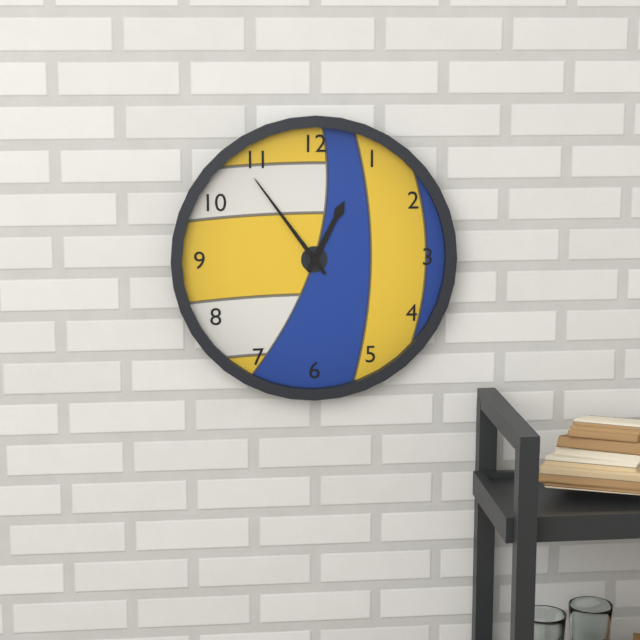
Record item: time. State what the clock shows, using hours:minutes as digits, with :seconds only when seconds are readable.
12:54
